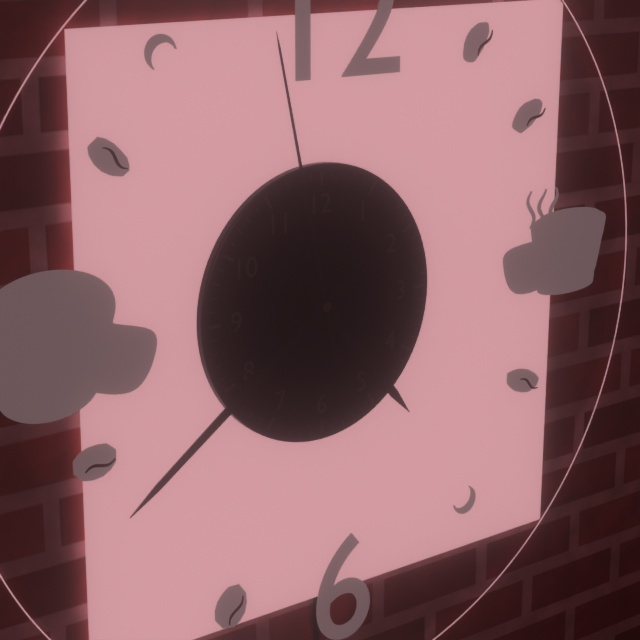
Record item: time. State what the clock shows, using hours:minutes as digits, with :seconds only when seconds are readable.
4:39:58
